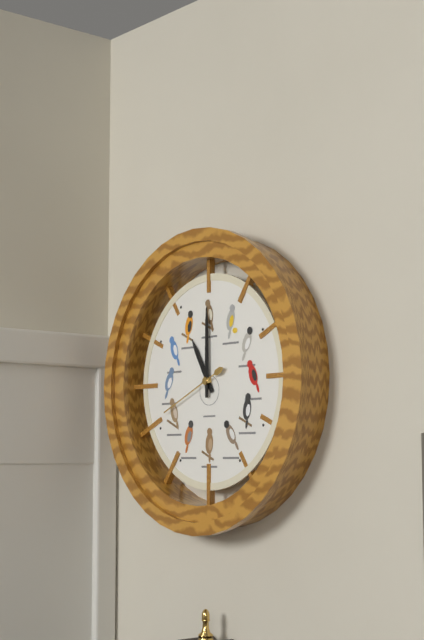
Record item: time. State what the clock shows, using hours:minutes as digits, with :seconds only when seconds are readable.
11:00:41
